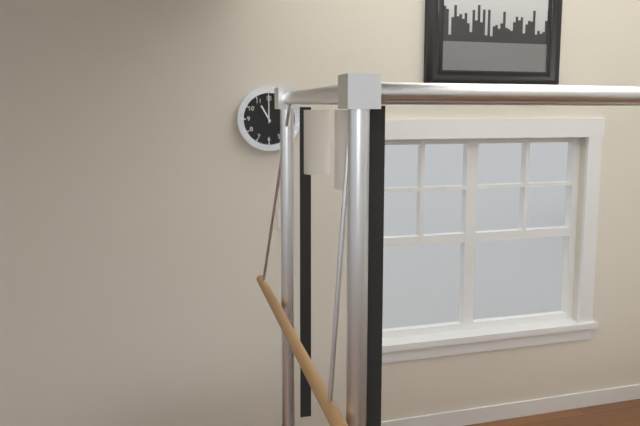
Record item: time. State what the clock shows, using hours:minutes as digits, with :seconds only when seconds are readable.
11:00
